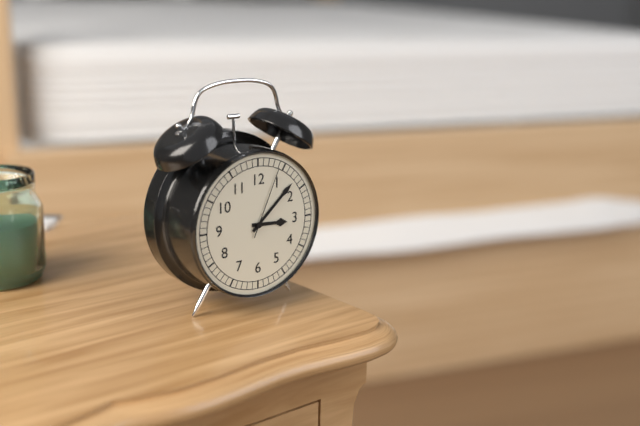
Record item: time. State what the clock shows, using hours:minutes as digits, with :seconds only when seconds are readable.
3:08:04
